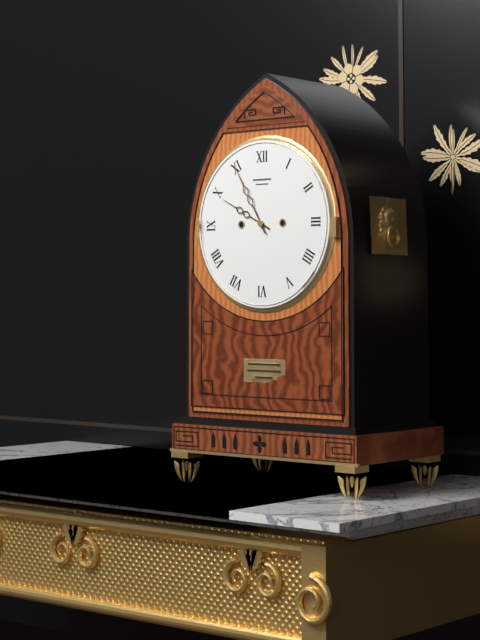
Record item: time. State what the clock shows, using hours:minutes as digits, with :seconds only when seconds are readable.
9:55
